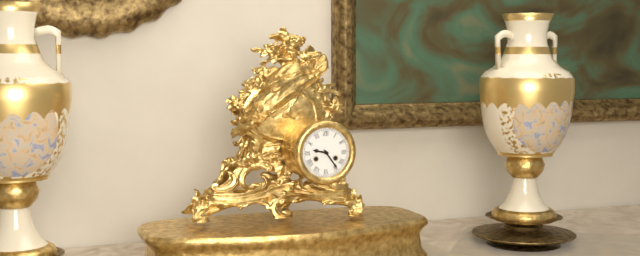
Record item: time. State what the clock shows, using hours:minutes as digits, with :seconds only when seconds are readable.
9:24
